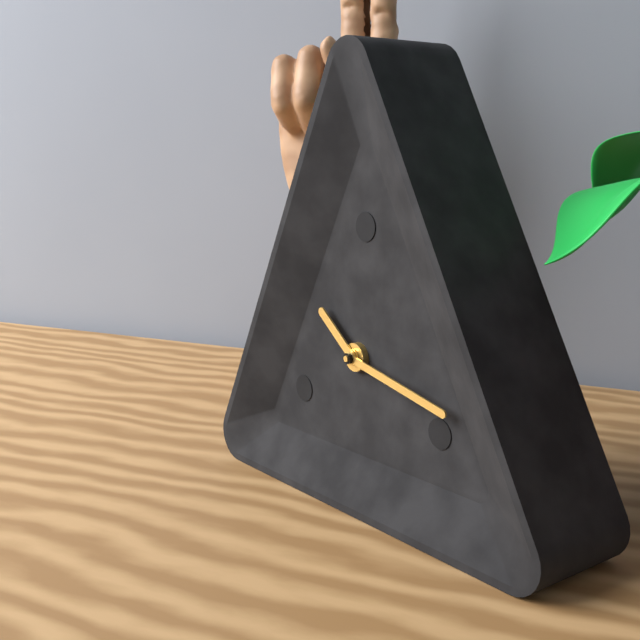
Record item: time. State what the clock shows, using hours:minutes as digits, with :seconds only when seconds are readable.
10:17
